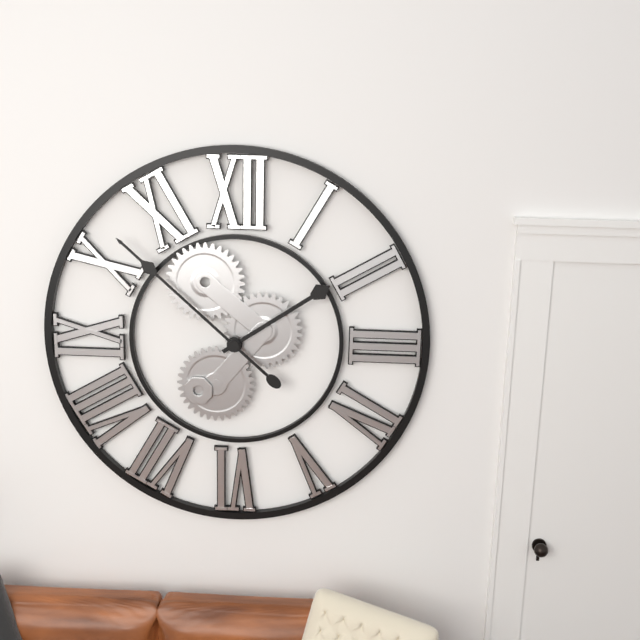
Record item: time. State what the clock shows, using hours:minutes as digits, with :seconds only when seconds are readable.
1:52
